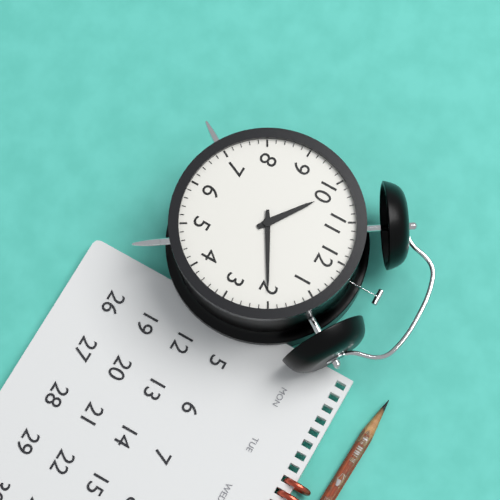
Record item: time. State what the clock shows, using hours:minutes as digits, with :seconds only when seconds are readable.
10:10
